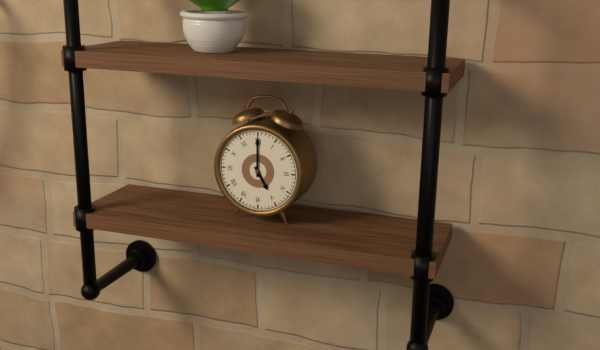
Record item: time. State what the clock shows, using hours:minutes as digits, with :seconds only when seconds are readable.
5:00
